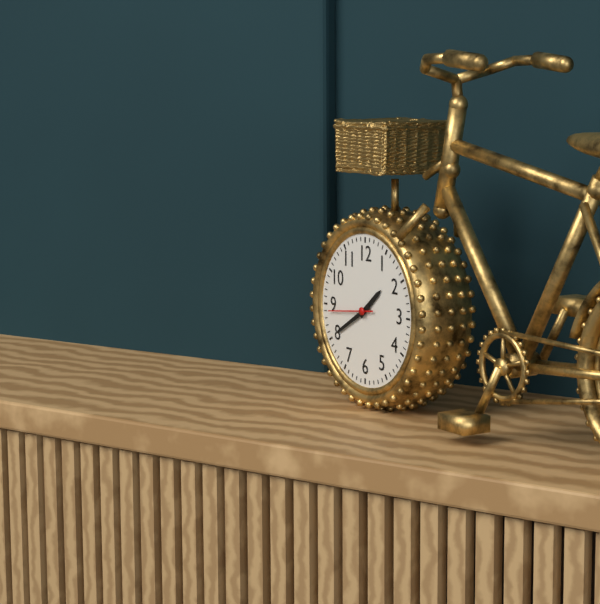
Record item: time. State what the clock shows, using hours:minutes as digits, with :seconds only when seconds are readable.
1:40
